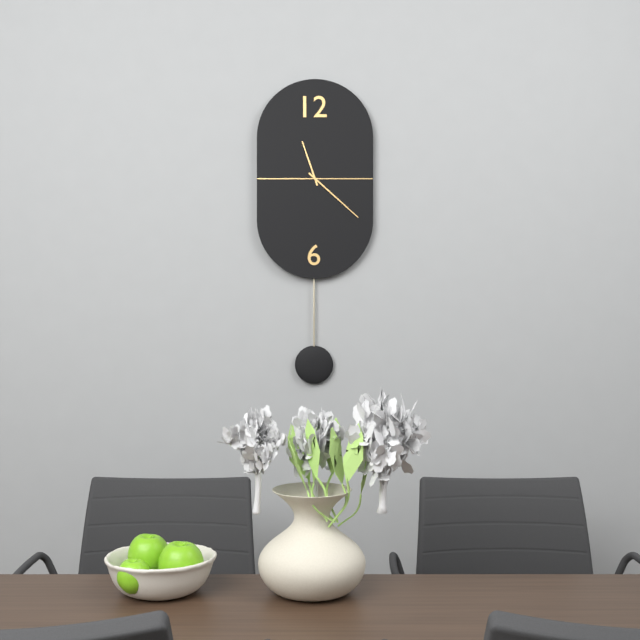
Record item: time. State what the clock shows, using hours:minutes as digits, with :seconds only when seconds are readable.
11:22
